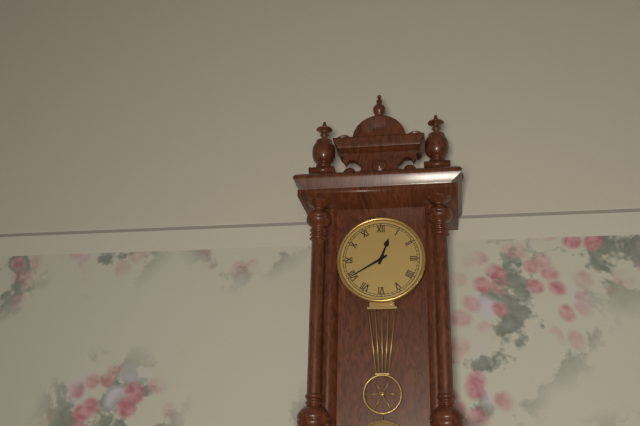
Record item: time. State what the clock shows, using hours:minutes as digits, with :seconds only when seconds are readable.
12:40
